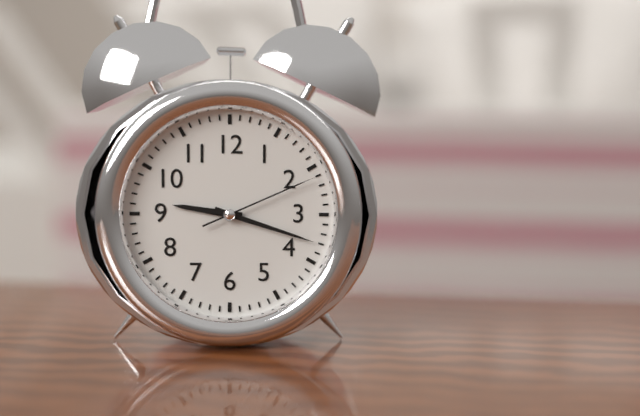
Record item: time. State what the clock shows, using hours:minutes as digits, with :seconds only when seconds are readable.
9:18:11
